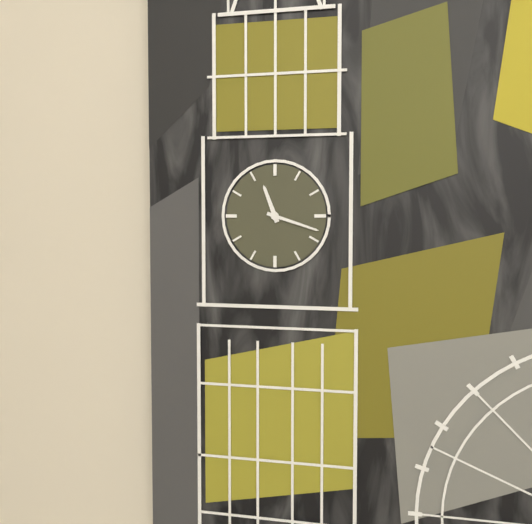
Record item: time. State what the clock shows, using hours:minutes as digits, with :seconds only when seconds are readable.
11:18
